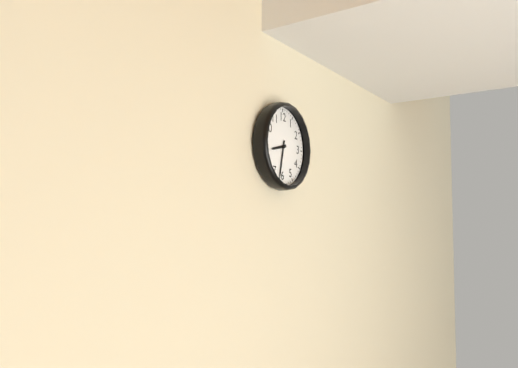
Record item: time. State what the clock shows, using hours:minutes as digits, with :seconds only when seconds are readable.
8:32
